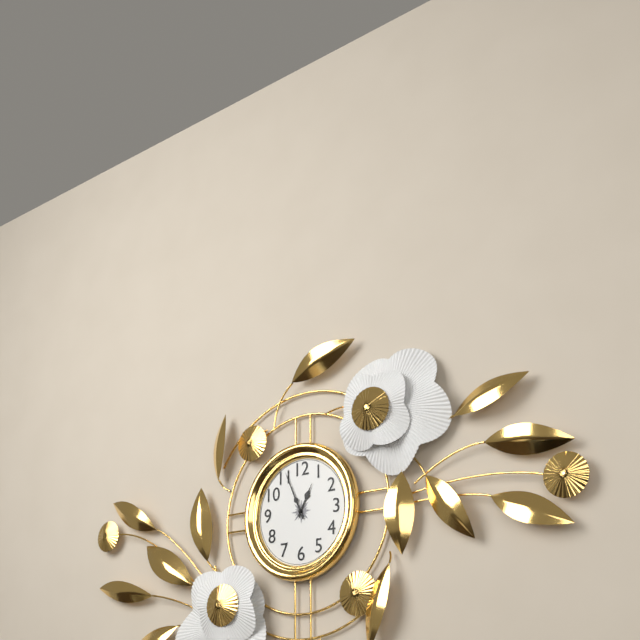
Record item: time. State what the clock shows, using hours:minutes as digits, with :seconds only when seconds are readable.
12:56
